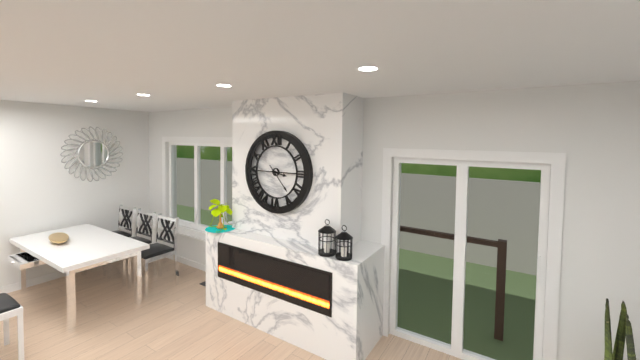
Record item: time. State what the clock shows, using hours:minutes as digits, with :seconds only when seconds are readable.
3:23
